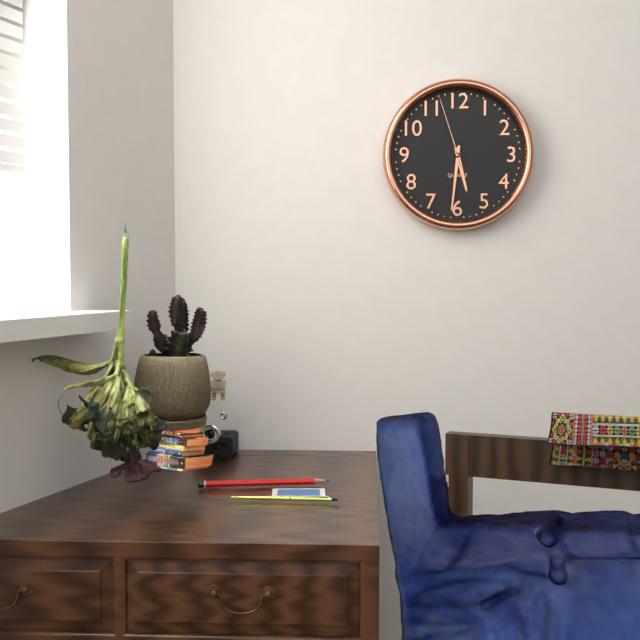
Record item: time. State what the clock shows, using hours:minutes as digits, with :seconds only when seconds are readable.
5:31:57
